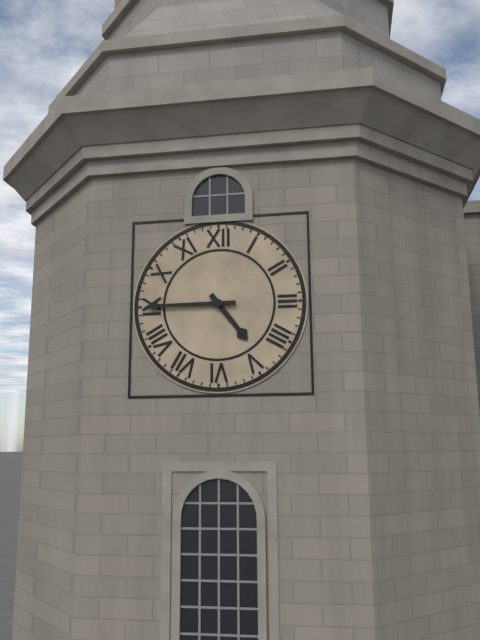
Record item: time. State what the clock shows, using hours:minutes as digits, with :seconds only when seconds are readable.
4:45
